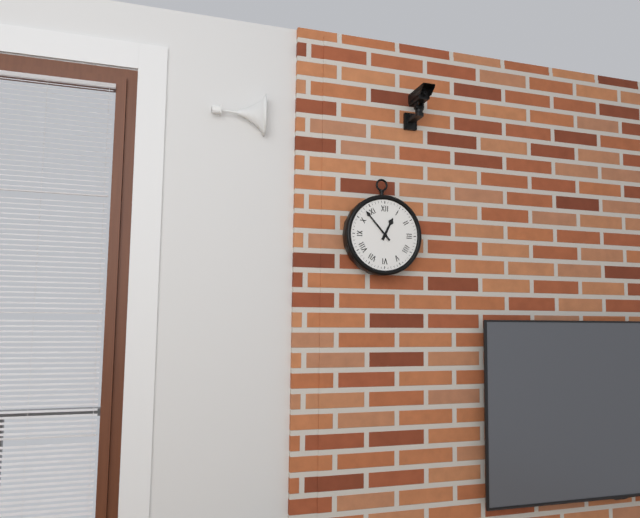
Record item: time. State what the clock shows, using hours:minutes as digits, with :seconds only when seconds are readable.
12:53
